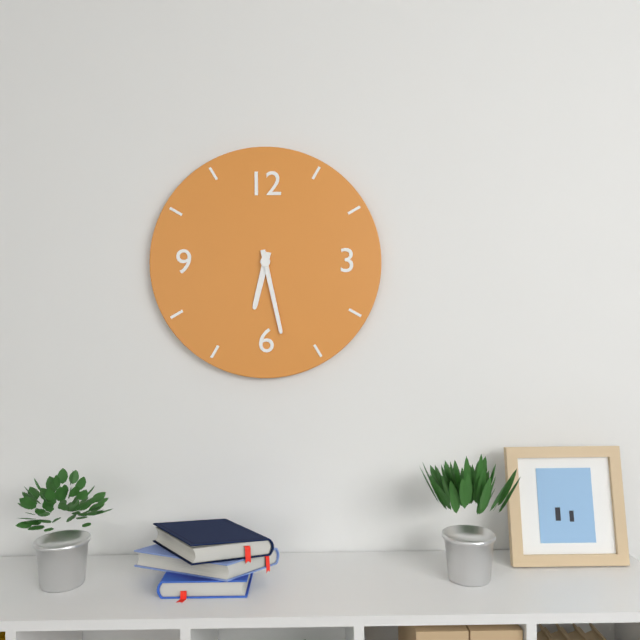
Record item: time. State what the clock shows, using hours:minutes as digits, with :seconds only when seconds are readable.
6:28
